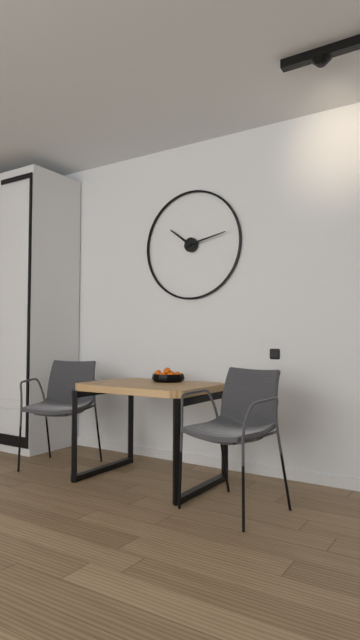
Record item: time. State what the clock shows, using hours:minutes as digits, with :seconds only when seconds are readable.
10:13
